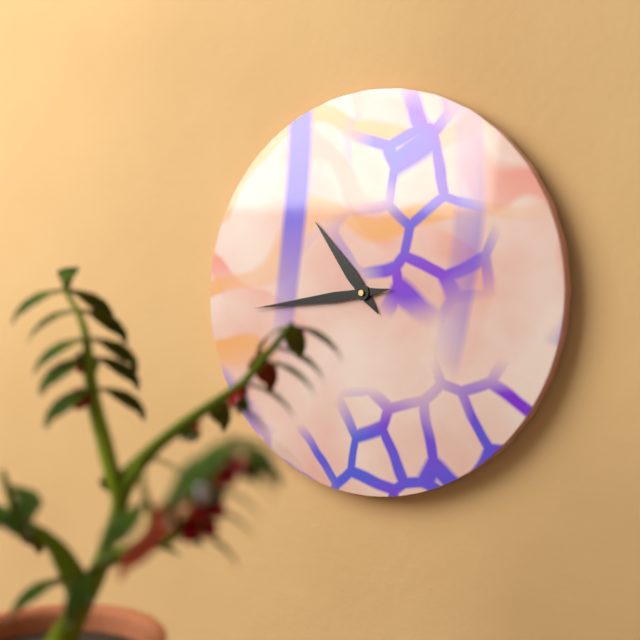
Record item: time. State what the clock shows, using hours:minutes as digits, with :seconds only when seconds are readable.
10:44
